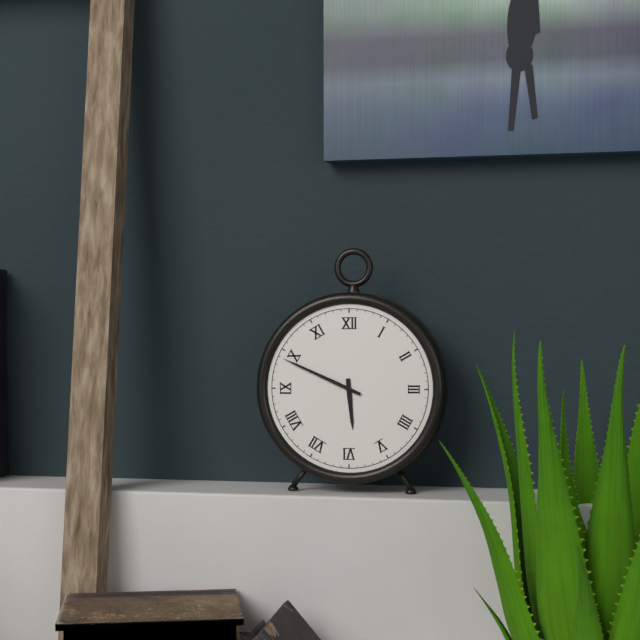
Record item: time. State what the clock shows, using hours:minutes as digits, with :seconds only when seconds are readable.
5:49
